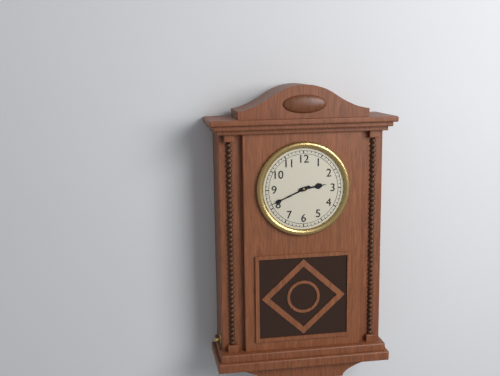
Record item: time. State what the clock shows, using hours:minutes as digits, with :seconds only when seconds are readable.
2:41
